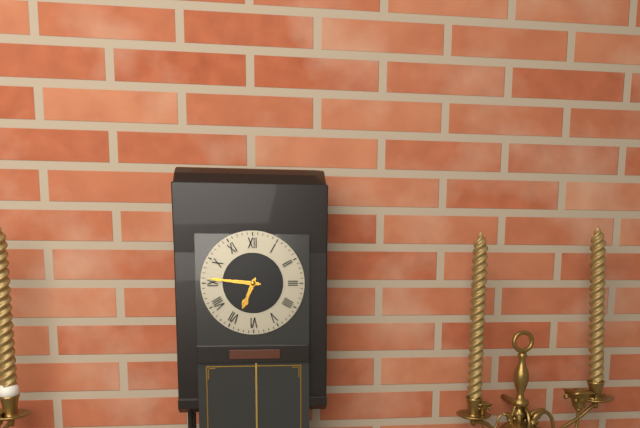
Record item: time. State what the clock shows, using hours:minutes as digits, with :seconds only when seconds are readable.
6:46
